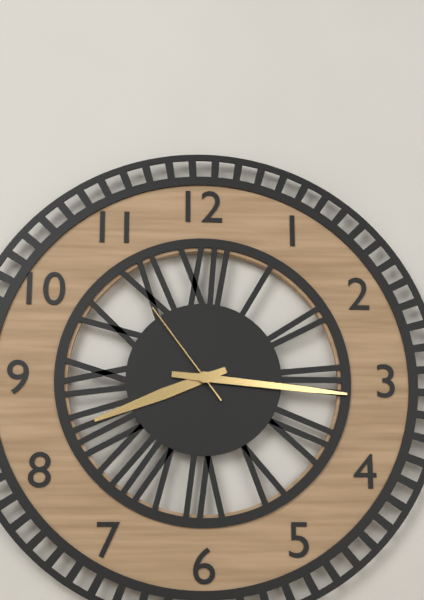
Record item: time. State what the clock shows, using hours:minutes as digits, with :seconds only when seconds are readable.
8:16:54
